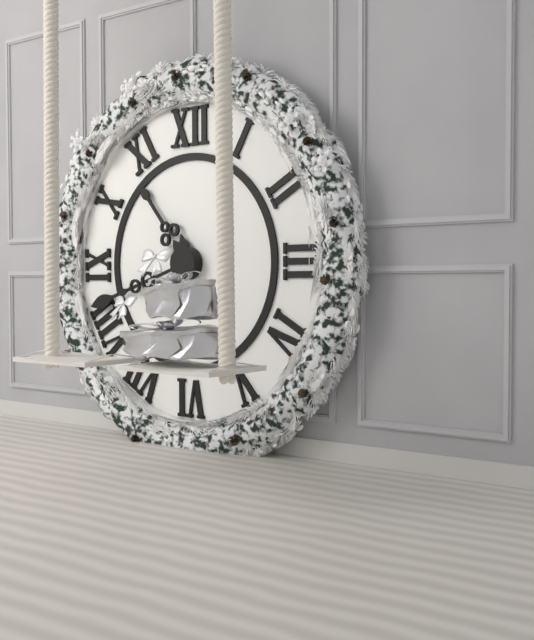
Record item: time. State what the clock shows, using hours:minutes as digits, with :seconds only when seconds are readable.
10:42
